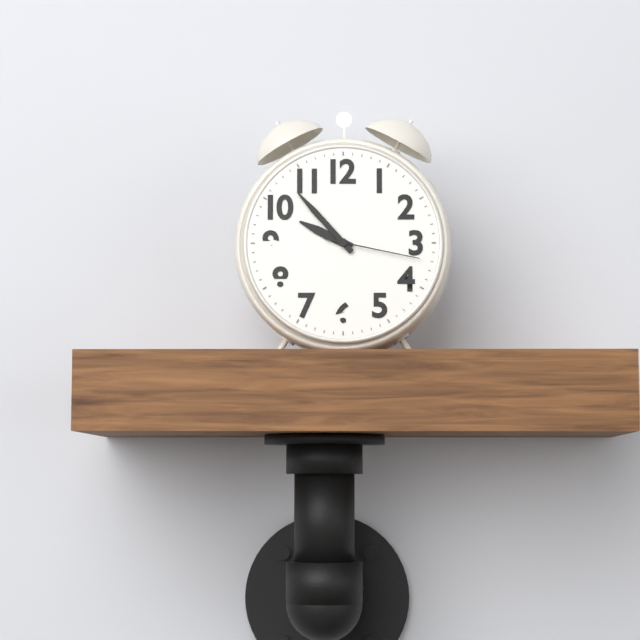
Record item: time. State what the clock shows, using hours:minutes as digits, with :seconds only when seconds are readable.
9:53:17
